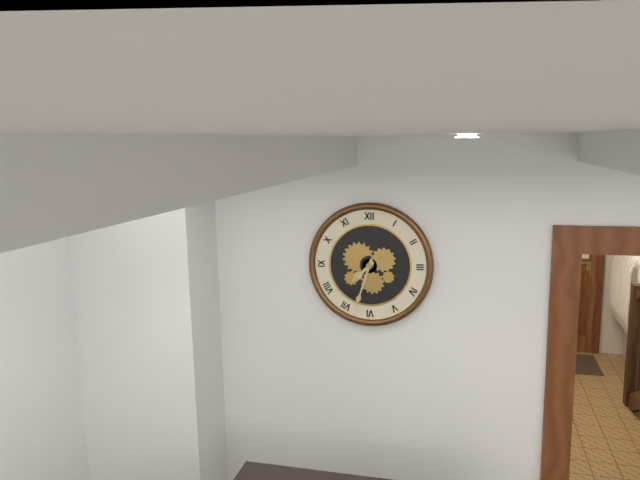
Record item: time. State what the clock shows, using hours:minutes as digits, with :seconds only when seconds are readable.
7:33
